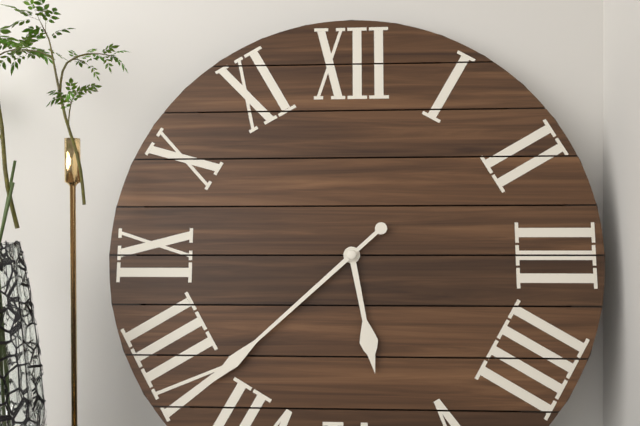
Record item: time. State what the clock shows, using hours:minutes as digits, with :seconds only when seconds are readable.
5:38
